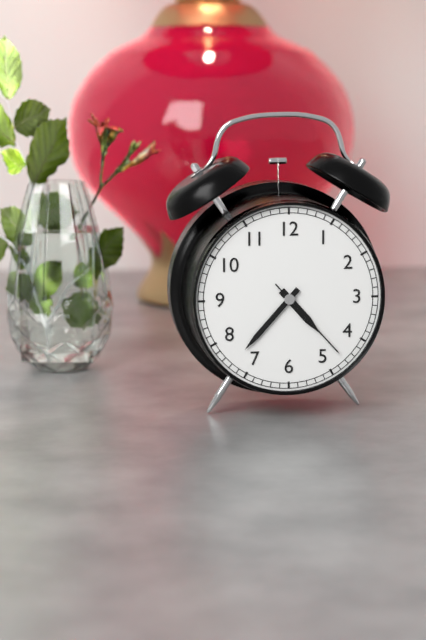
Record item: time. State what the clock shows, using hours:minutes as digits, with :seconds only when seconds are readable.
4:37:23
